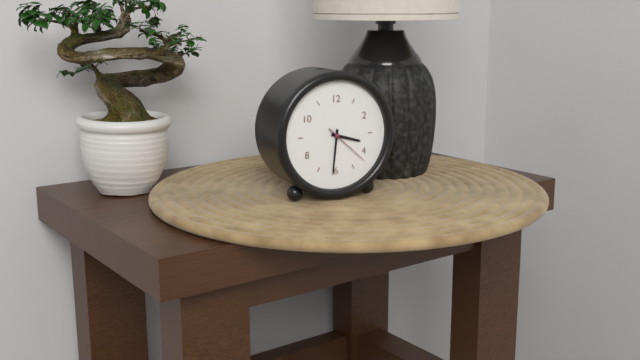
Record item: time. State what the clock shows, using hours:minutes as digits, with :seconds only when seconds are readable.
3:31
